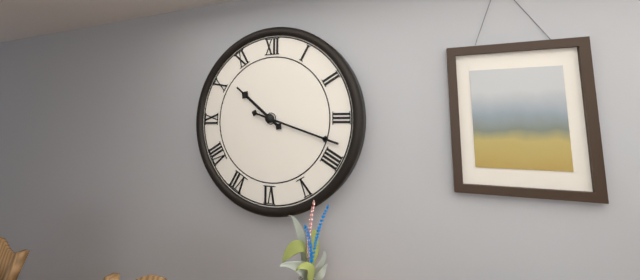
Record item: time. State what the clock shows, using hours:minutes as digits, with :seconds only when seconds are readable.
10:18
